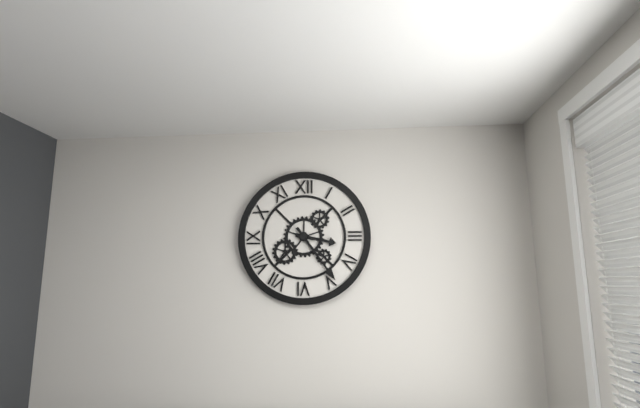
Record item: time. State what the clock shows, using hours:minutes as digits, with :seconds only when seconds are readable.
3:24
